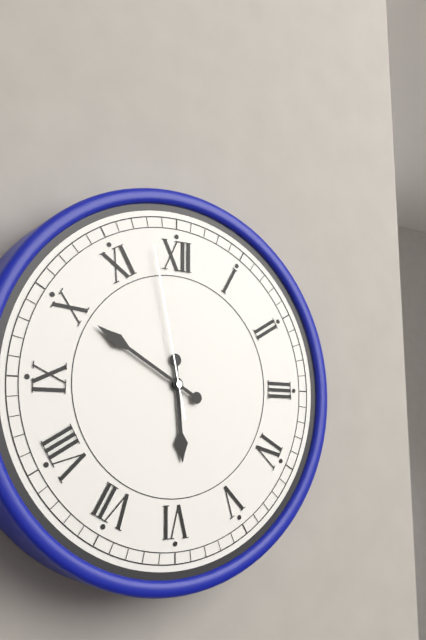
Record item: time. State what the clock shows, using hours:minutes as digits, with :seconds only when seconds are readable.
5:50:58
